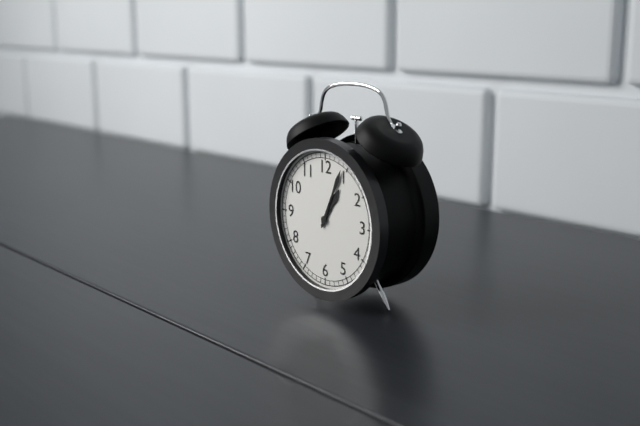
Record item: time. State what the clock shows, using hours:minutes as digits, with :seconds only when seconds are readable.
1:04
